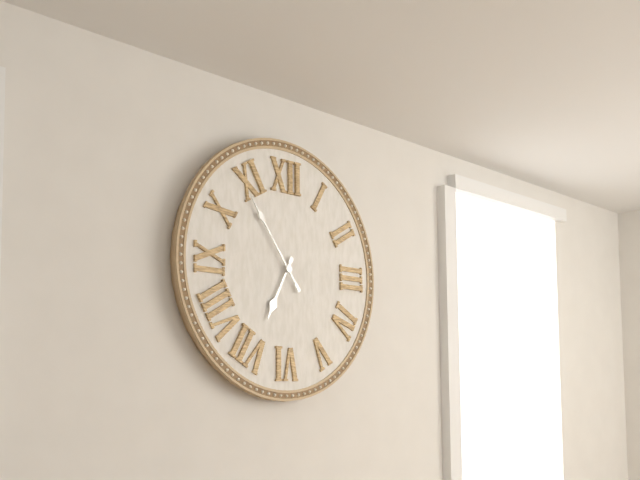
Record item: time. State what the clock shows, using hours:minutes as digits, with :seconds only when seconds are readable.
6:54
